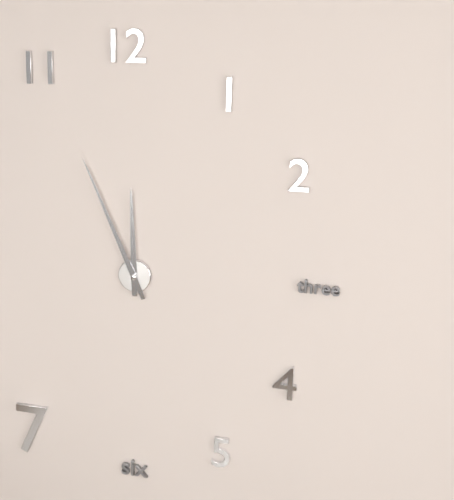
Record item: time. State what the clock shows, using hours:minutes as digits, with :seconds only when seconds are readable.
11:56
